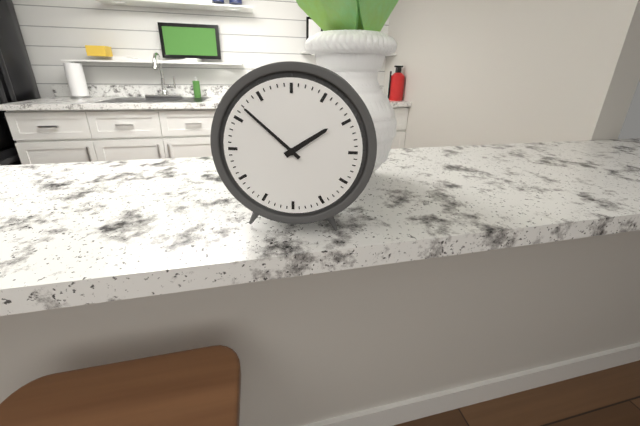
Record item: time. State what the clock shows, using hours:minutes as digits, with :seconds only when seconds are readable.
1:52
